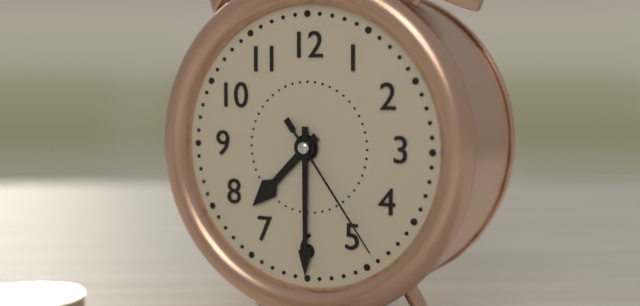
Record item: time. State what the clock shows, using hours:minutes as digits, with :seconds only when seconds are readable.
7:30:24
